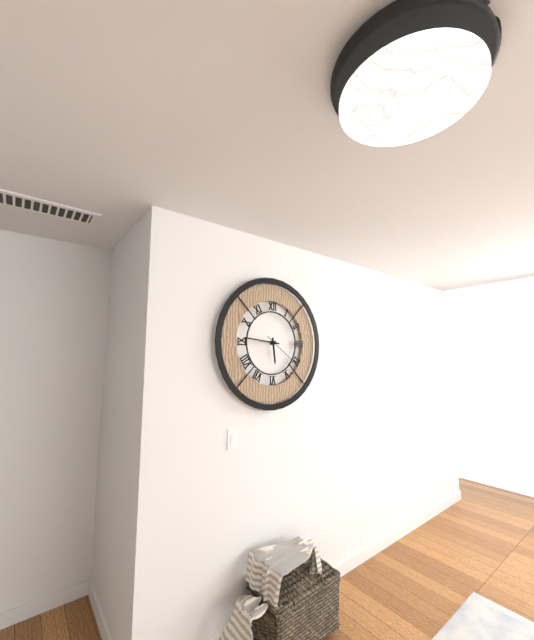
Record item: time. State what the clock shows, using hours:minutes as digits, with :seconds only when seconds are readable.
5:46
